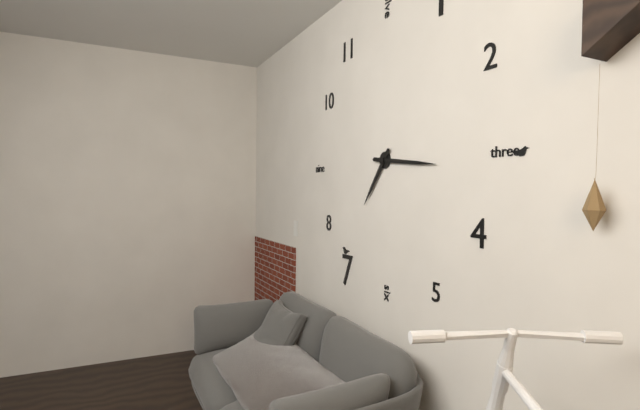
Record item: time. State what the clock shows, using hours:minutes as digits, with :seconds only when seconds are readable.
7:16
